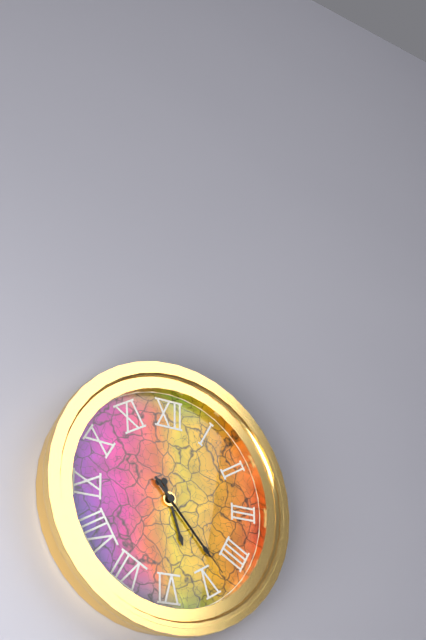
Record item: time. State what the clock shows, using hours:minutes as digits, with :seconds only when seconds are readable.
5:23:23
